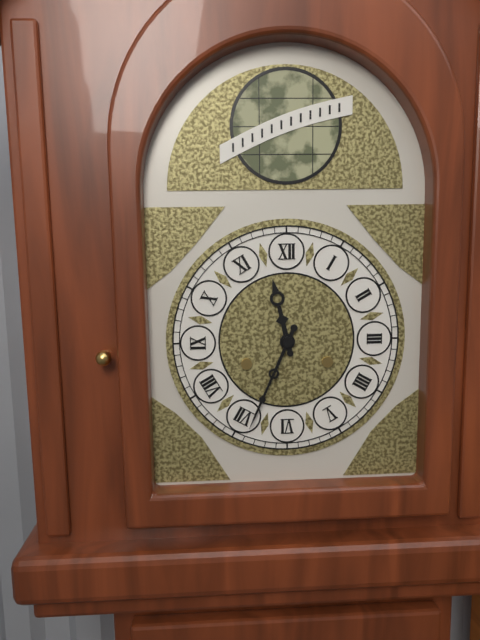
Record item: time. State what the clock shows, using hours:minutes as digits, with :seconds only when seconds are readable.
11:34
